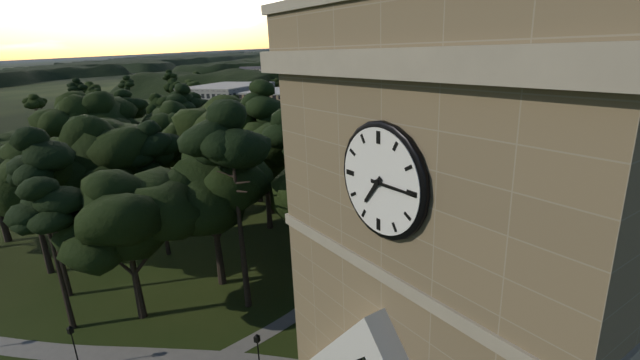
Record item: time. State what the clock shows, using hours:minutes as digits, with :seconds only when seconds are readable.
7:15
